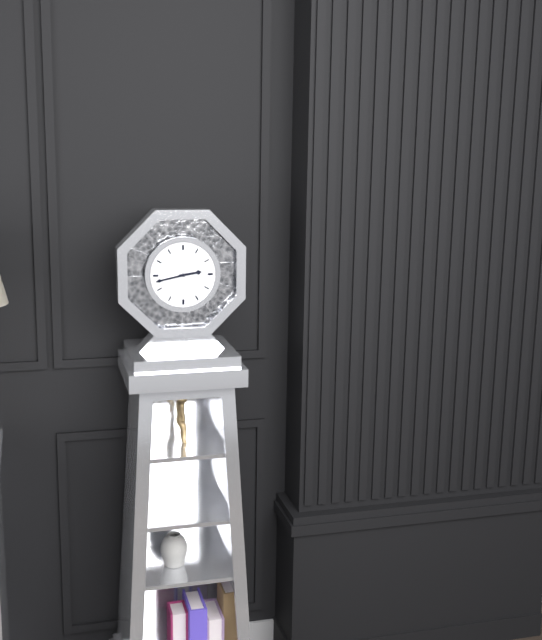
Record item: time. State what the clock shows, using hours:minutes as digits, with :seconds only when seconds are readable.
2:43
